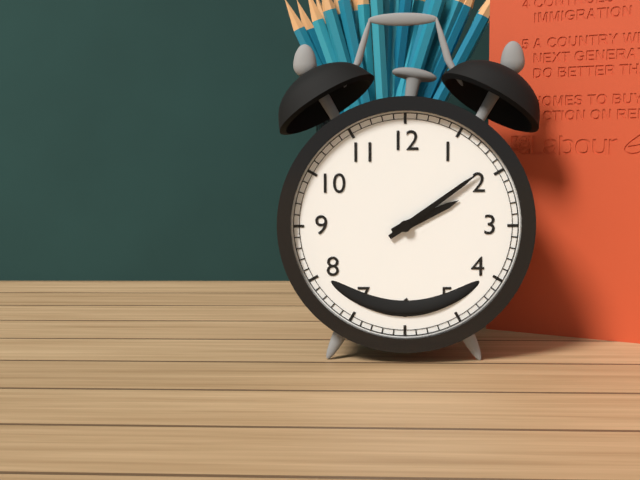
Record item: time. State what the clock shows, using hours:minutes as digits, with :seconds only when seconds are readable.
2:09
